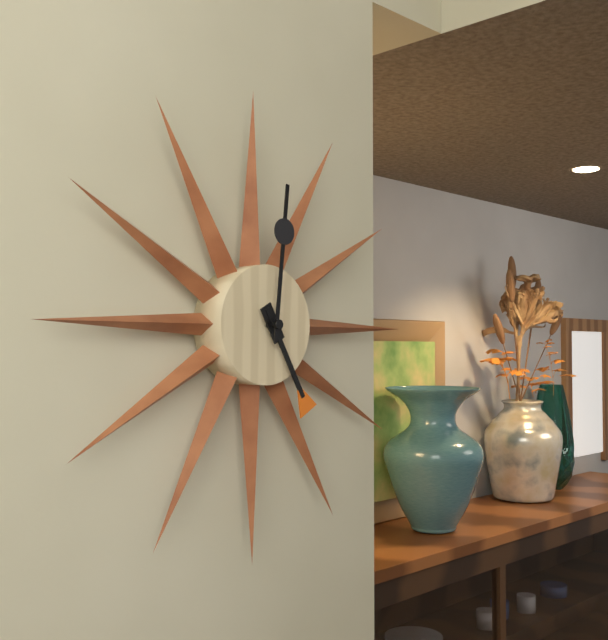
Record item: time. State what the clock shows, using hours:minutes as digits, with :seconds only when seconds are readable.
5:01
